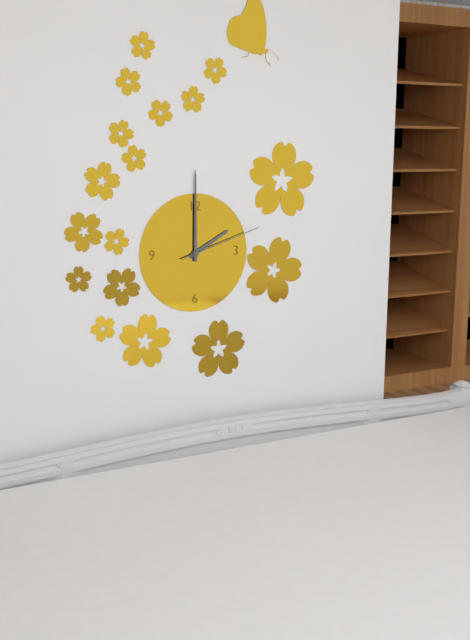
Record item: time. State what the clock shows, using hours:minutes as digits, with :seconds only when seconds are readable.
2:00:12
